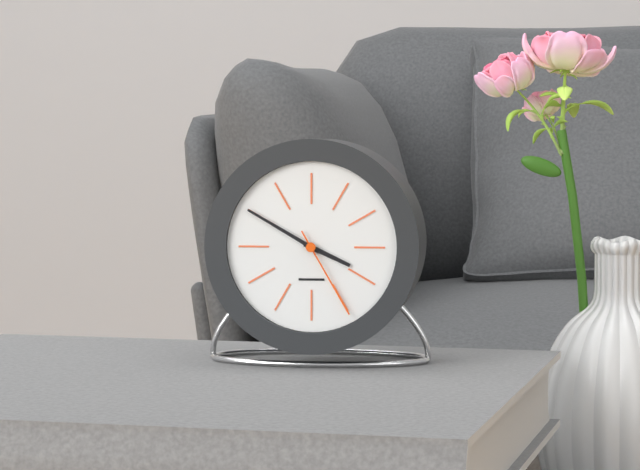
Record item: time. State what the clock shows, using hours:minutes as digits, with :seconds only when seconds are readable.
3:50:25
